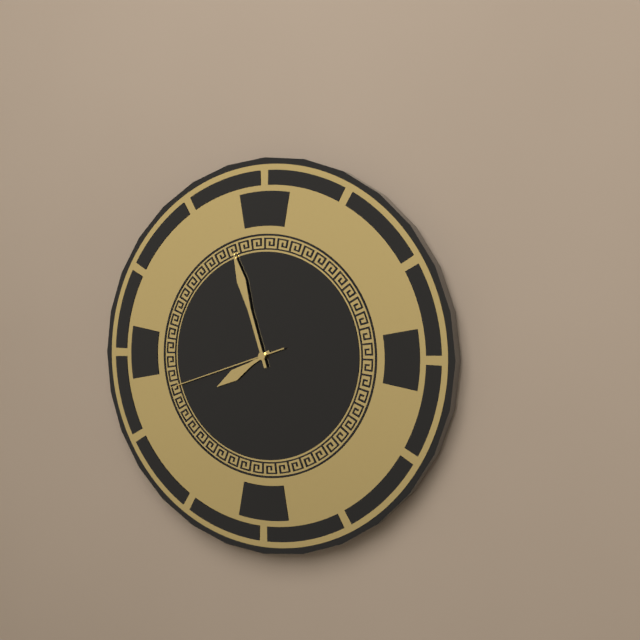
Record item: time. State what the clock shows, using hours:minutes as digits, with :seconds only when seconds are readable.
7:57:42
